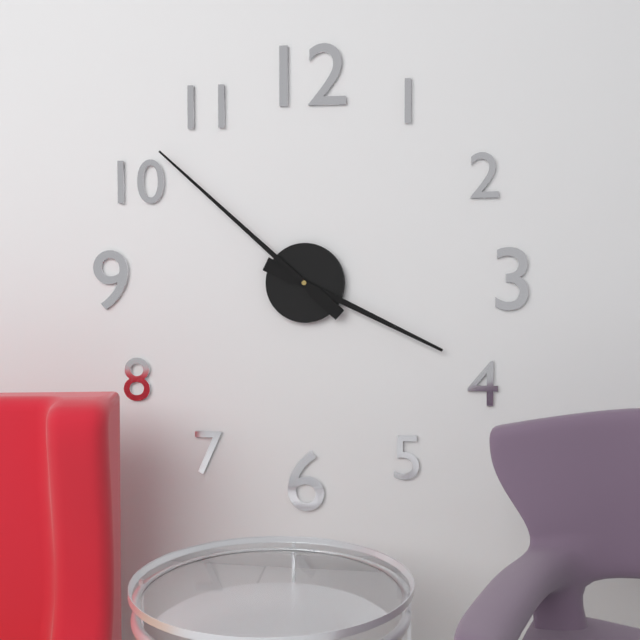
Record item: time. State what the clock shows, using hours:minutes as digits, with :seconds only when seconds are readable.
3:52
